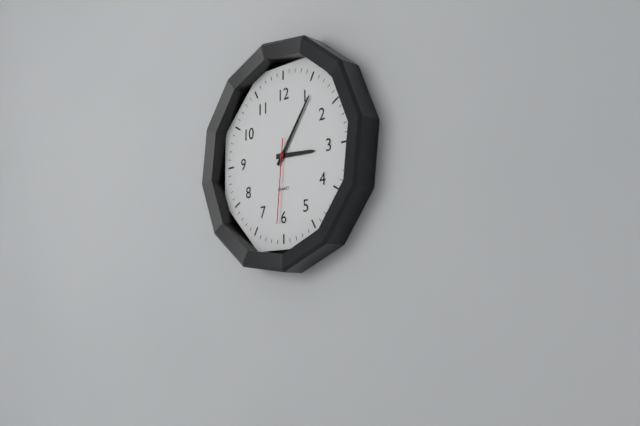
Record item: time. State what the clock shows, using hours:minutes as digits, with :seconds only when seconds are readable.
3:06:31
